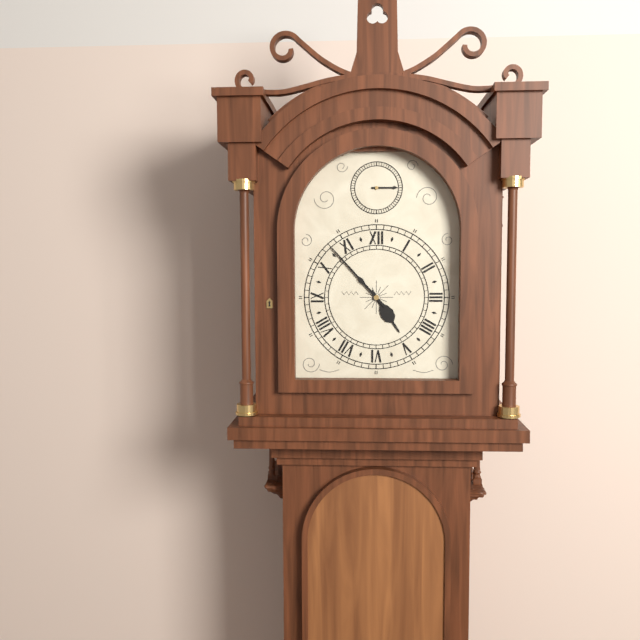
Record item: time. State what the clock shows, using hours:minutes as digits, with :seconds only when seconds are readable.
4:53
